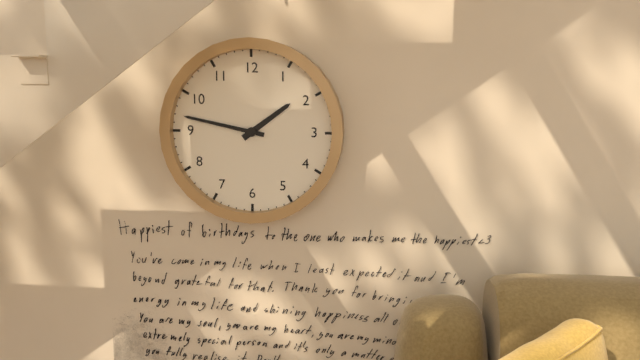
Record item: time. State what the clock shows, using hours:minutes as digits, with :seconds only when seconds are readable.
1:47
